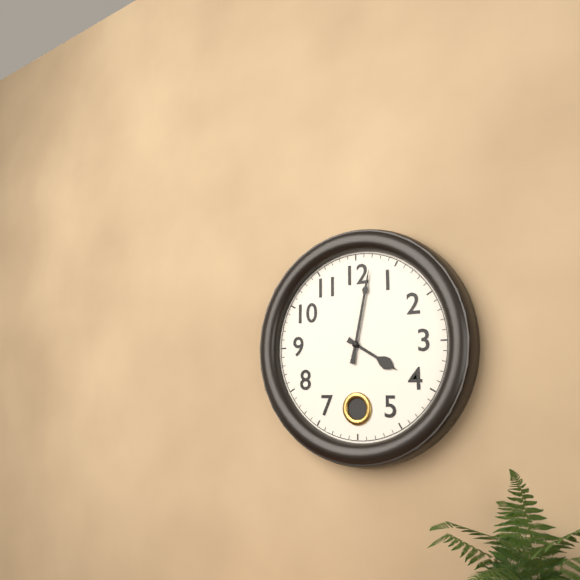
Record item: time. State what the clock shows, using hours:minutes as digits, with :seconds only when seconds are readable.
4:02
